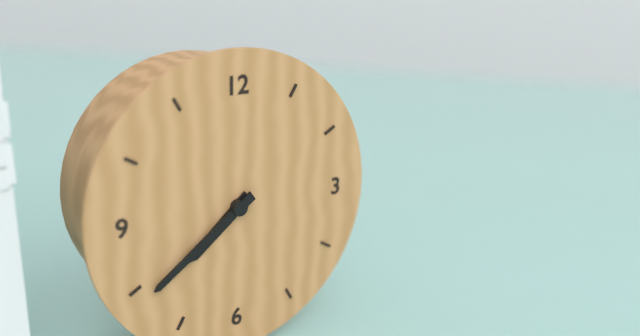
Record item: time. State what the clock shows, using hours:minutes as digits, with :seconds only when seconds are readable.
7:39
